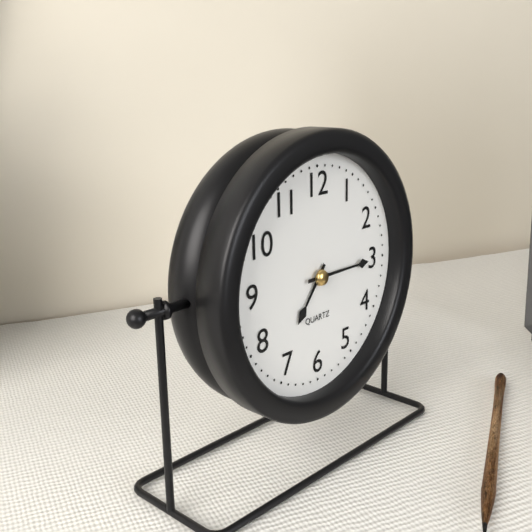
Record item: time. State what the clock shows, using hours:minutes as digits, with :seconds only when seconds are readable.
7:15
